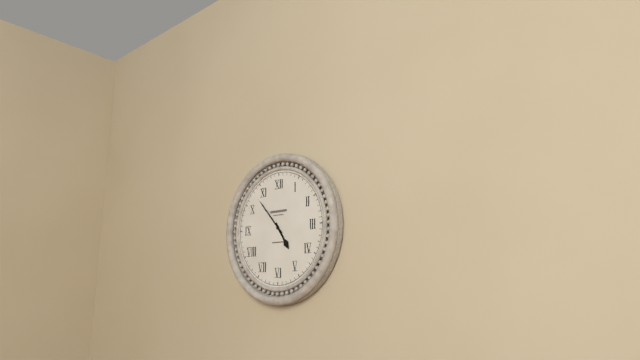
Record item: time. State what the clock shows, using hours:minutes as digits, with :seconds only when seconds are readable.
4:53
